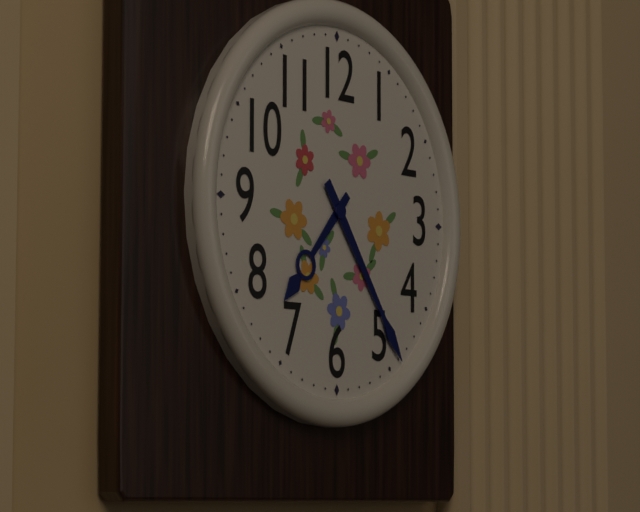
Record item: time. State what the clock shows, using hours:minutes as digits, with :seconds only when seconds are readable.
7:24
